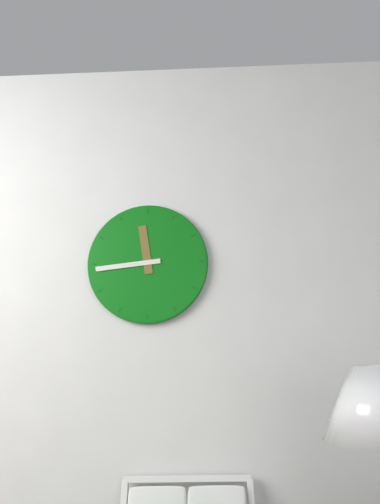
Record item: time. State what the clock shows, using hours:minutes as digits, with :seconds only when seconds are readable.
11:44
